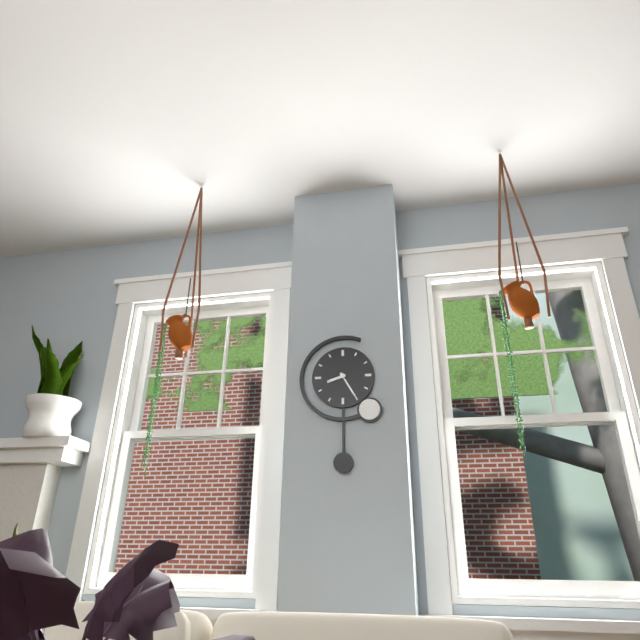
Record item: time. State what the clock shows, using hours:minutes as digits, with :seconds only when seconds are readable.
8:25
